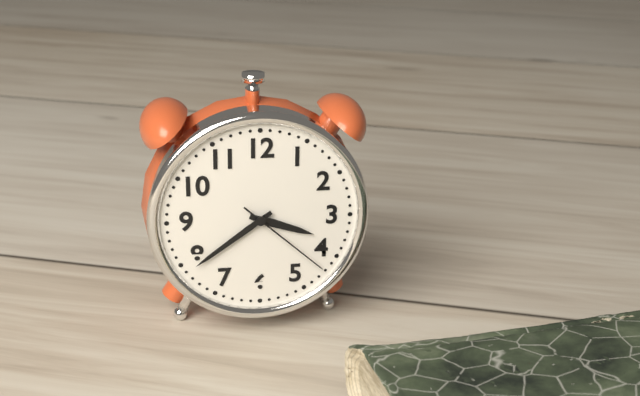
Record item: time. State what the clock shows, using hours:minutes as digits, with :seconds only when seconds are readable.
3:39:22
